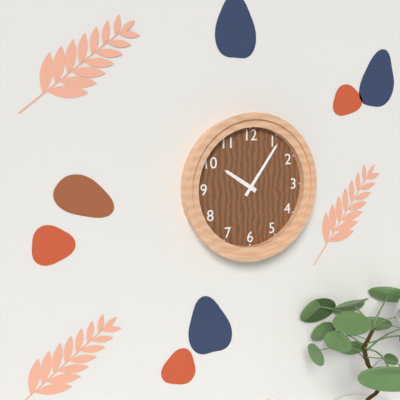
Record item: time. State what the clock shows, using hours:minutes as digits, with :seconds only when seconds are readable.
10:06
